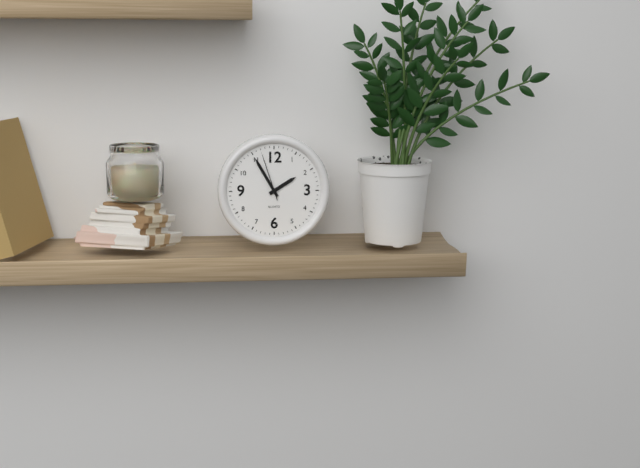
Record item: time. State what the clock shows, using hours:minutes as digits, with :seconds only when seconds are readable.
1:55:57
